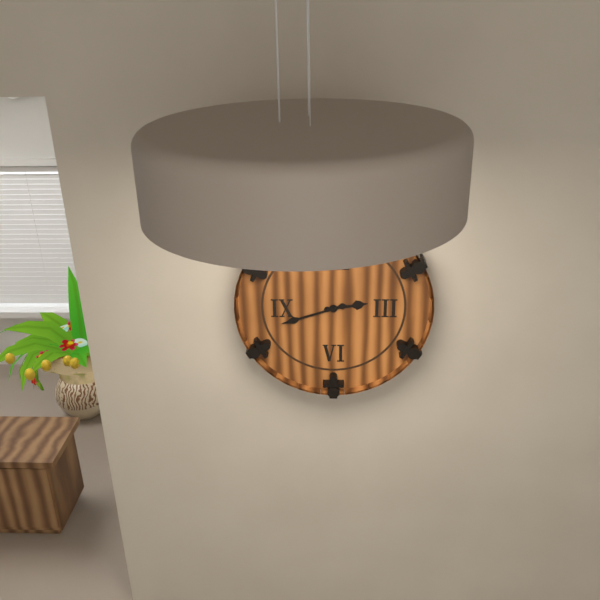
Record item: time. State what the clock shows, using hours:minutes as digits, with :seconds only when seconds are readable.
2:42
